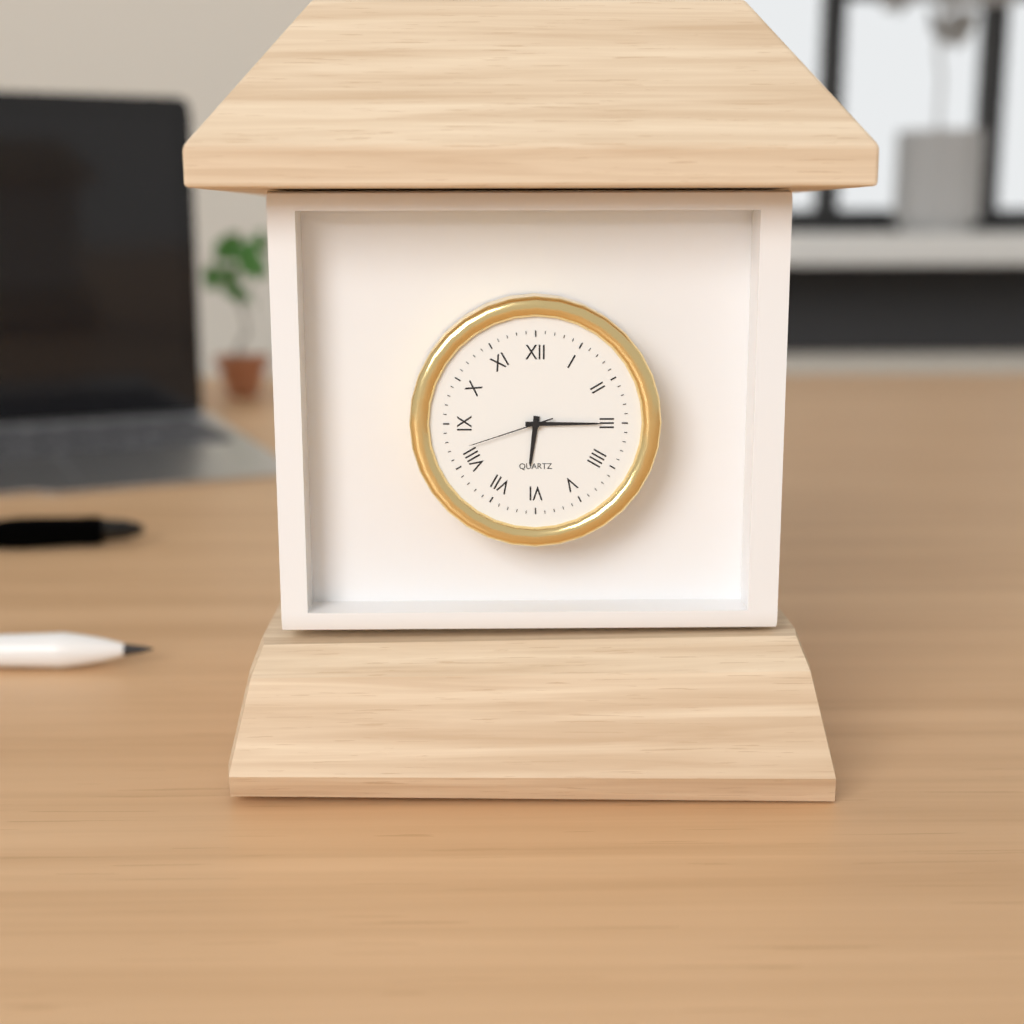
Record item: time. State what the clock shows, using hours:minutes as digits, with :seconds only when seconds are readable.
6:15:42
